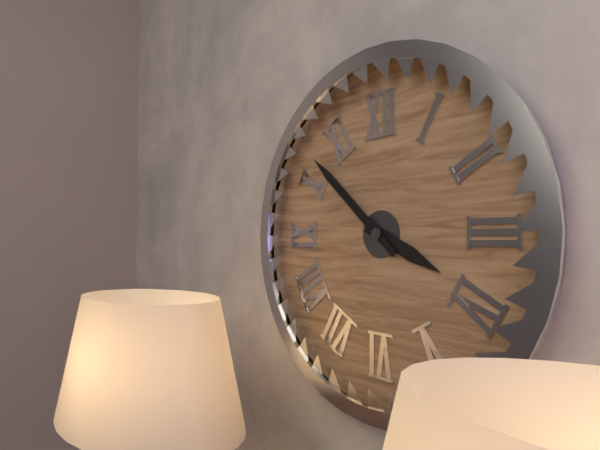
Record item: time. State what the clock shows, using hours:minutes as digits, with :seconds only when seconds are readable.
3:52
